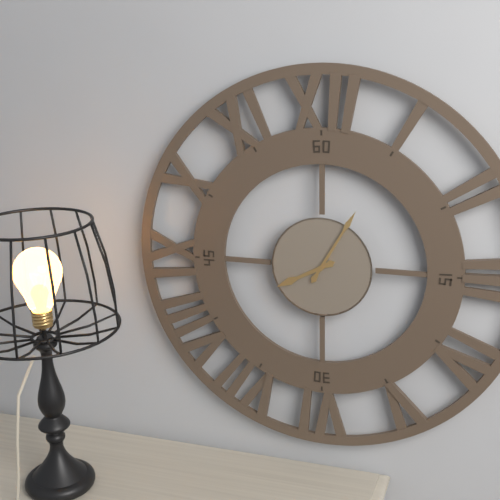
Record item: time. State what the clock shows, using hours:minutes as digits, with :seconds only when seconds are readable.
8:05
